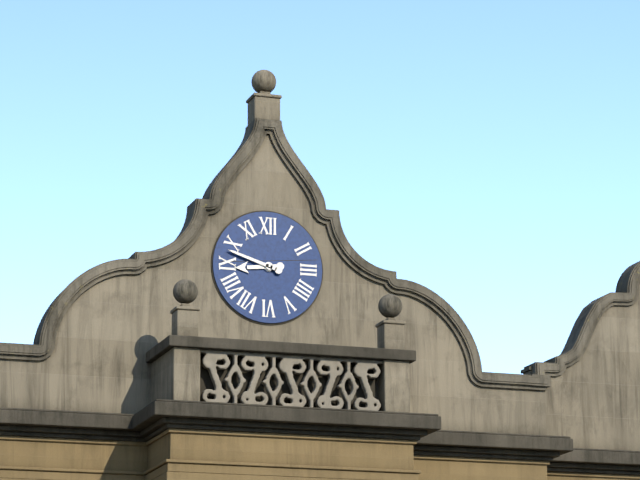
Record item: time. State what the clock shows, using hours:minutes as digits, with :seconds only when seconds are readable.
8:48
